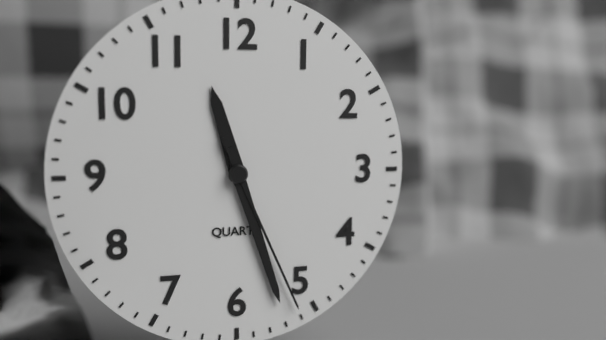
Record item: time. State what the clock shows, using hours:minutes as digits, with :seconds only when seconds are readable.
11:27:26
